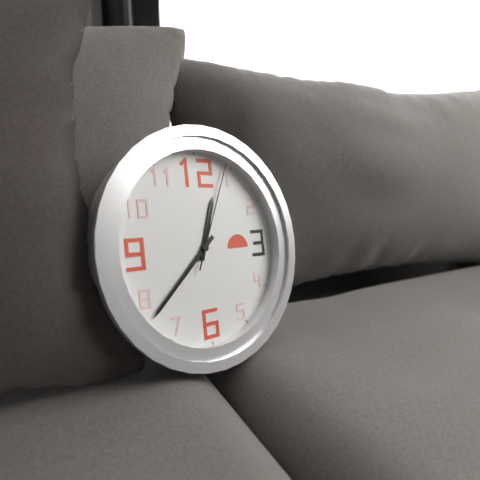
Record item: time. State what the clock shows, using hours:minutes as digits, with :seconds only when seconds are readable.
12:38:04
